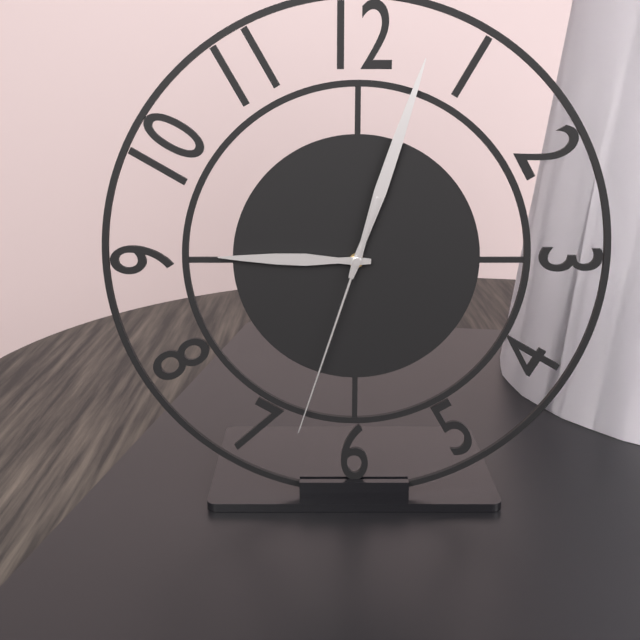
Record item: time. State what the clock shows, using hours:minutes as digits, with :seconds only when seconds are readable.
9:03:33
